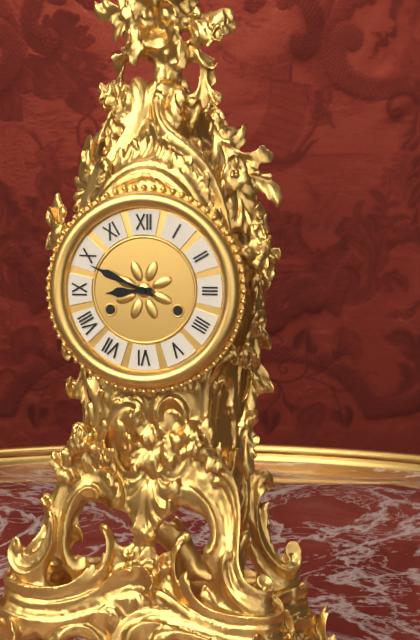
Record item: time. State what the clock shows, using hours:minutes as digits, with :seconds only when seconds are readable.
8:49
